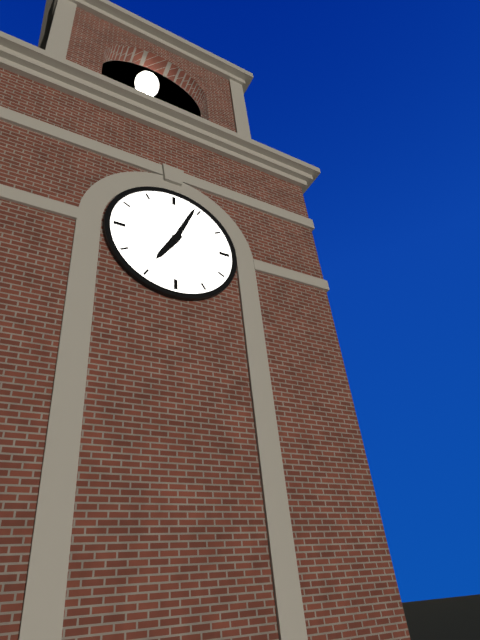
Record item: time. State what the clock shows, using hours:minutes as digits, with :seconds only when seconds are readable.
7:04
